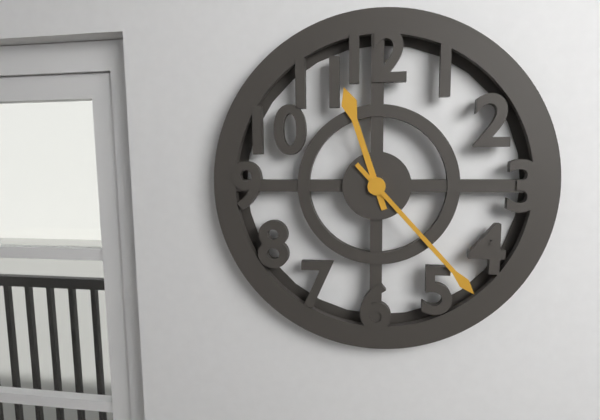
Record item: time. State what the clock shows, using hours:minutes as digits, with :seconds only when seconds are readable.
11:23
